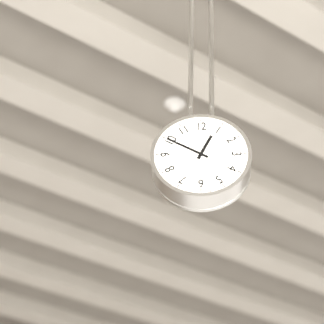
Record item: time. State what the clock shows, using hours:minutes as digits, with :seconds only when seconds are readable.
12:50
